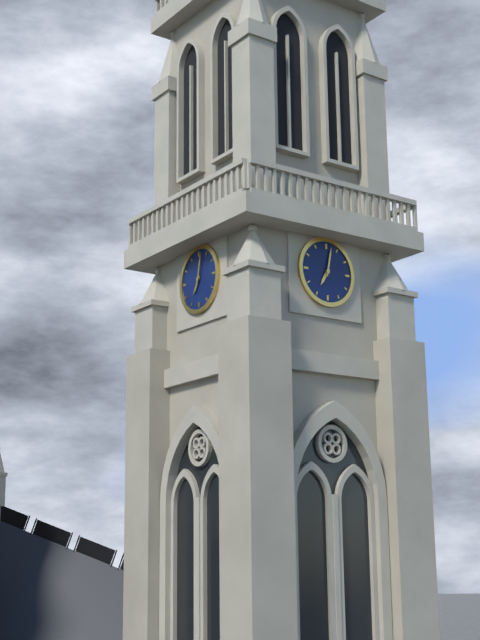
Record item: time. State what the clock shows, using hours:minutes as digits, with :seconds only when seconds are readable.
7:02
